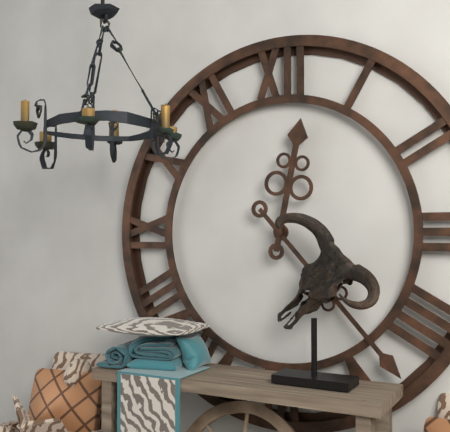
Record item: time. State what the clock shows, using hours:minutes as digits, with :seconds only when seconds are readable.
12:23
